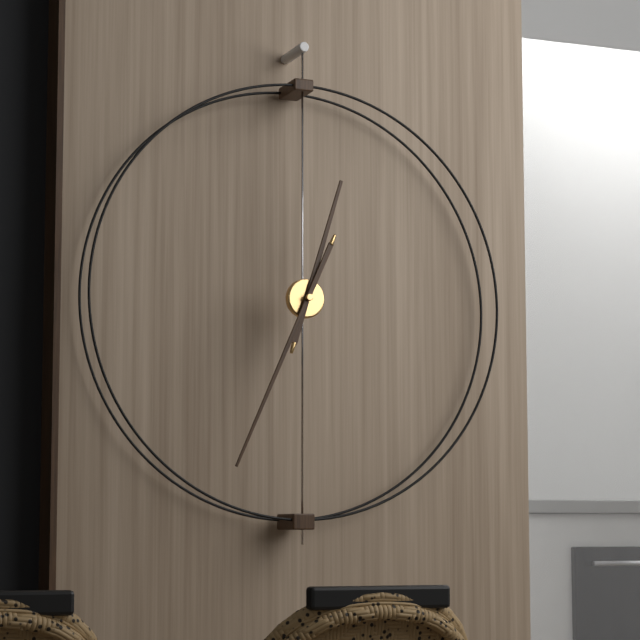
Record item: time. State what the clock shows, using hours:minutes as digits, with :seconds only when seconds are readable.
12:34
